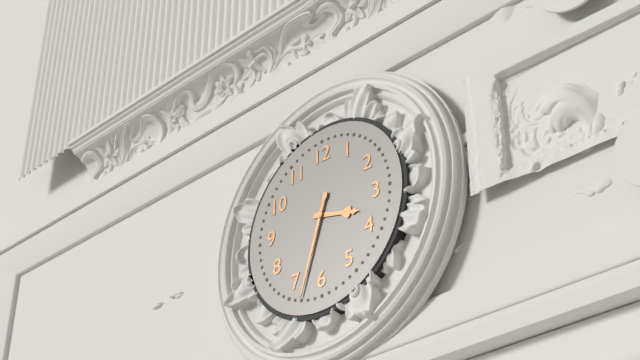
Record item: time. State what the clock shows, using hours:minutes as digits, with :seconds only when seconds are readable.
3:33
